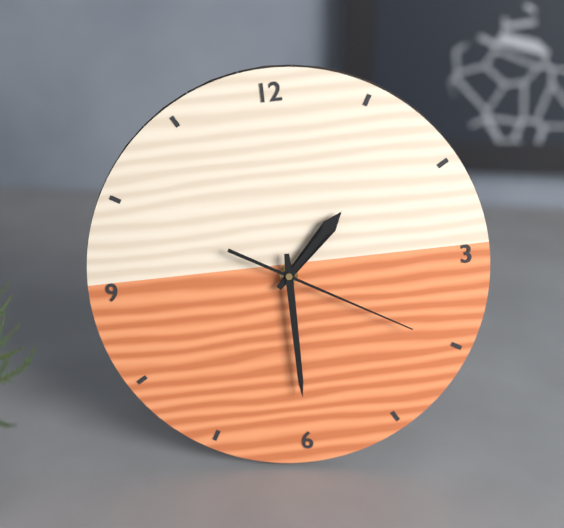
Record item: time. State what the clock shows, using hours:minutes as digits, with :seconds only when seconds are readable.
1:30:20
